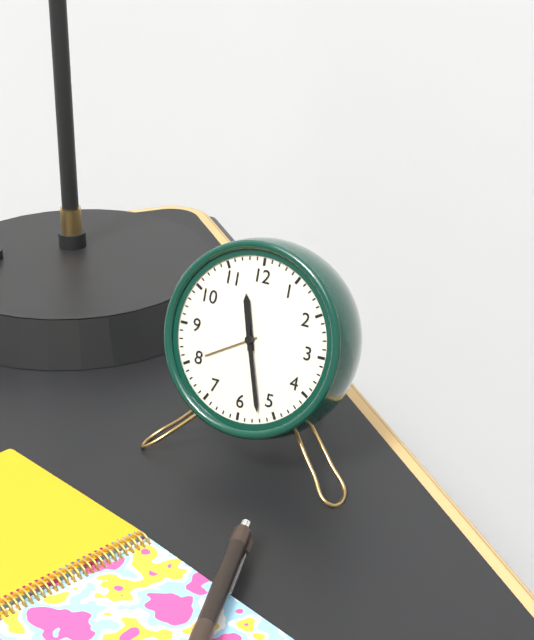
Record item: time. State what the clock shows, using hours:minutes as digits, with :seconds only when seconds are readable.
11:27
